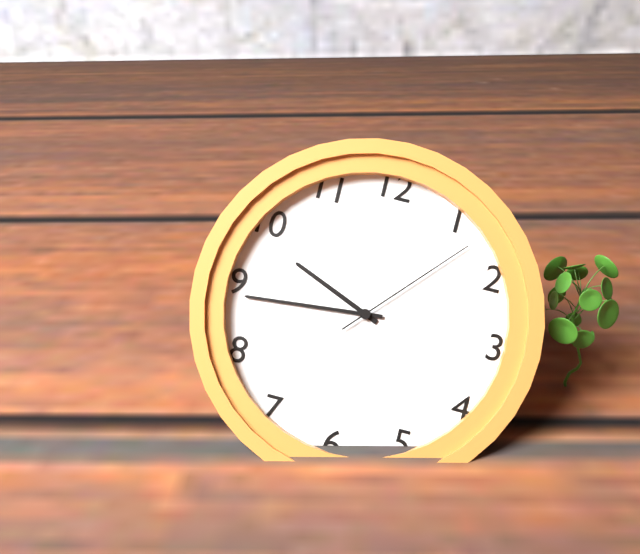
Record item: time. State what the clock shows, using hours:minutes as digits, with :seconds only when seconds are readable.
9:44:07
